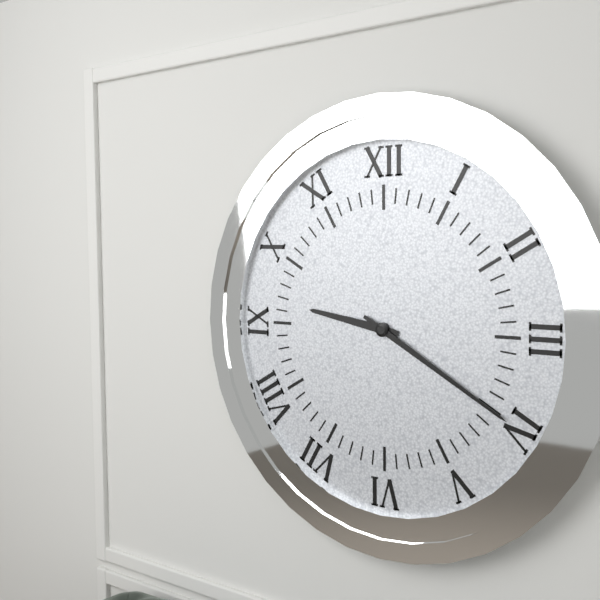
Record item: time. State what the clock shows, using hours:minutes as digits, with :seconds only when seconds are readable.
9:20
